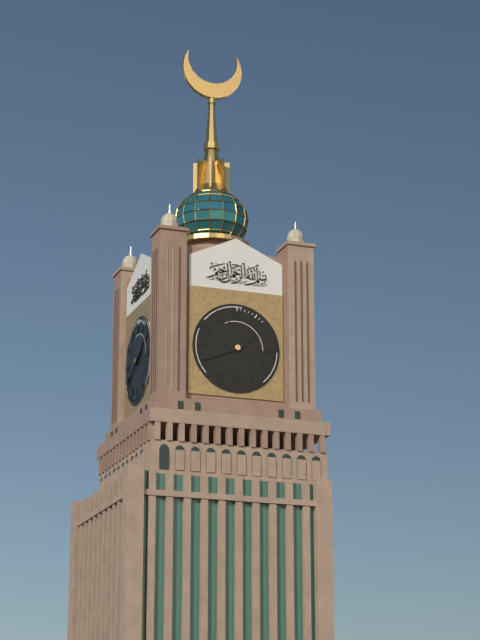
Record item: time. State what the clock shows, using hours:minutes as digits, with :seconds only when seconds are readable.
1:41
